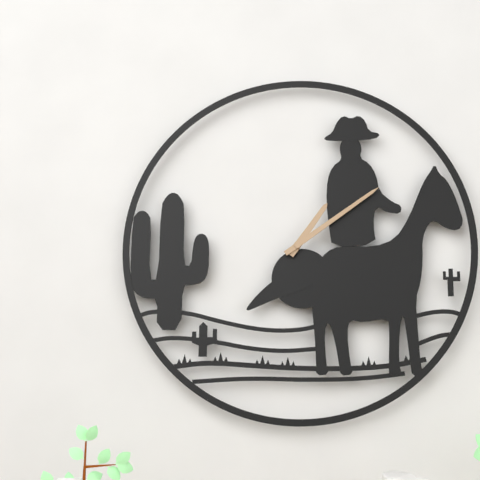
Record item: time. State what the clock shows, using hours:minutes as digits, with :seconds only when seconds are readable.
1:09
